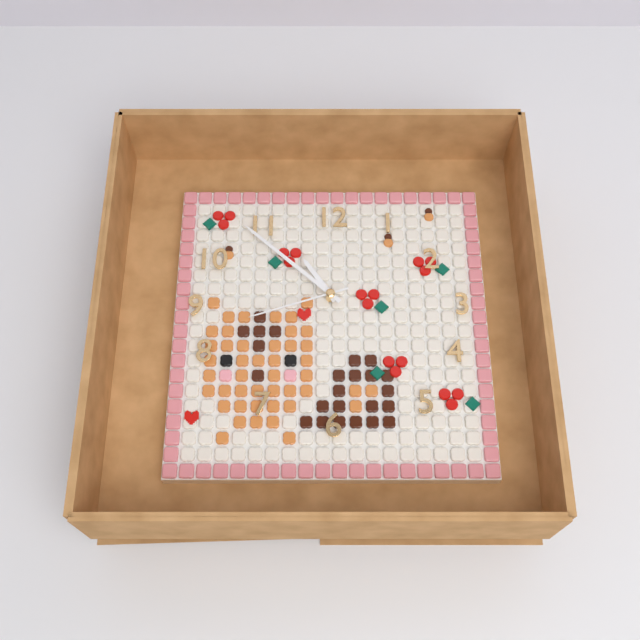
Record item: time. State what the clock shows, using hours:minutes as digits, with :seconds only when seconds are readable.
10:52:42
